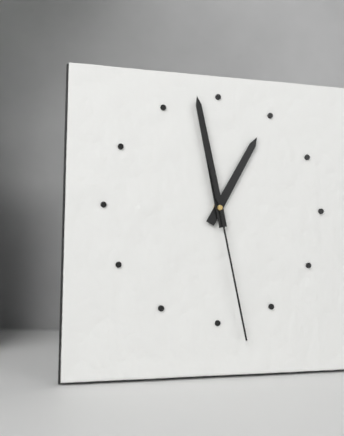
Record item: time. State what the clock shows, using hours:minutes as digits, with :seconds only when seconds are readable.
12:58:28
